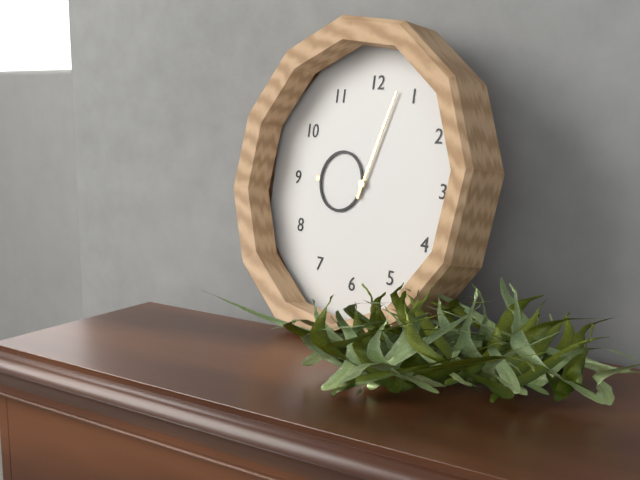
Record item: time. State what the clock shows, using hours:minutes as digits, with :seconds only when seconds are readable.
9:03
